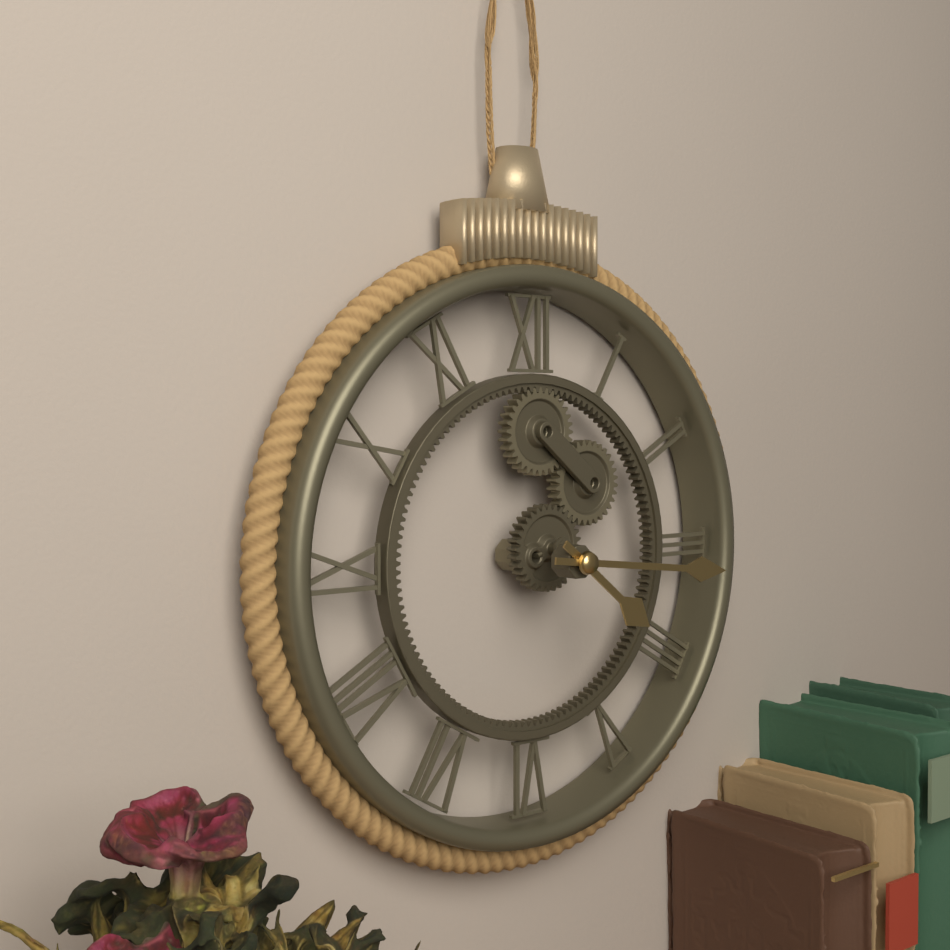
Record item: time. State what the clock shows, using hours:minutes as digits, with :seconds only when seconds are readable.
4:16
